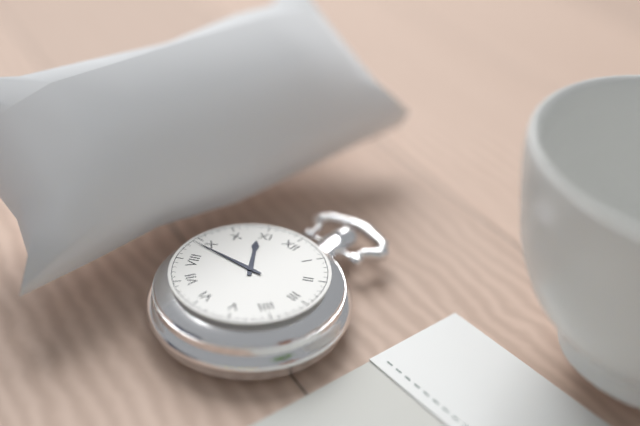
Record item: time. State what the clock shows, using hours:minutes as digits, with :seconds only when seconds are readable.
10:44
